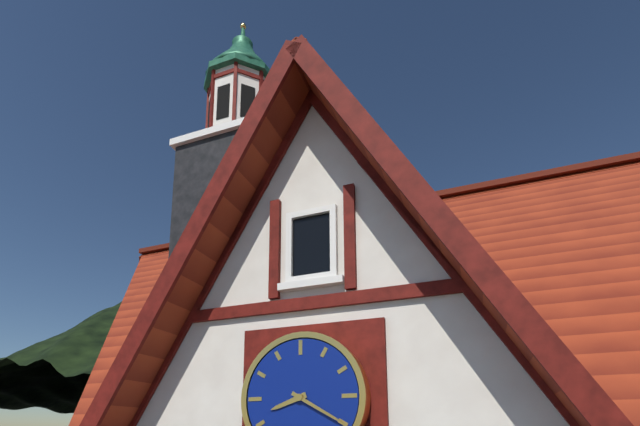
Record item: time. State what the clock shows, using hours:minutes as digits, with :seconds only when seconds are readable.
8:20
